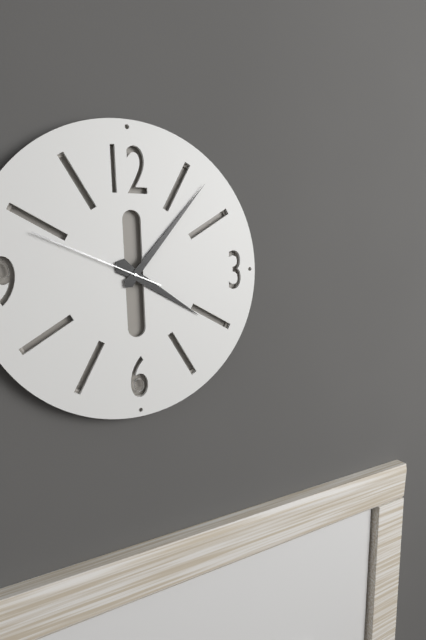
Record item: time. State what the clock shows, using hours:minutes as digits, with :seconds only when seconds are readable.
4:07:49
